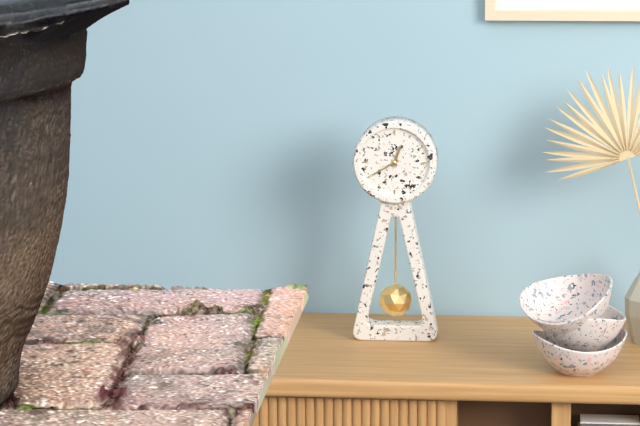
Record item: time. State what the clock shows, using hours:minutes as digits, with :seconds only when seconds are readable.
12:40
